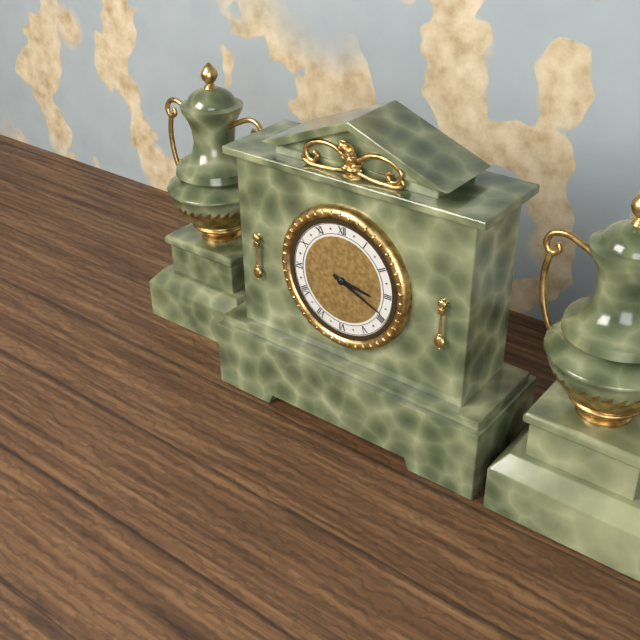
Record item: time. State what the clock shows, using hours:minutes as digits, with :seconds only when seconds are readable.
3:19
